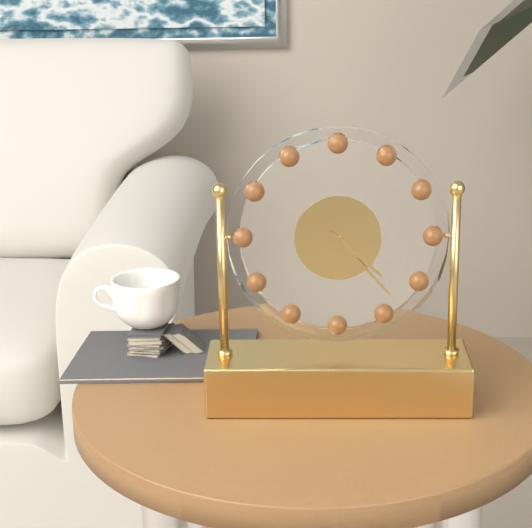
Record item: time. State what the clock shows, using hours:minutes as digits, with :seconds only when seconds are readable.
4:23
